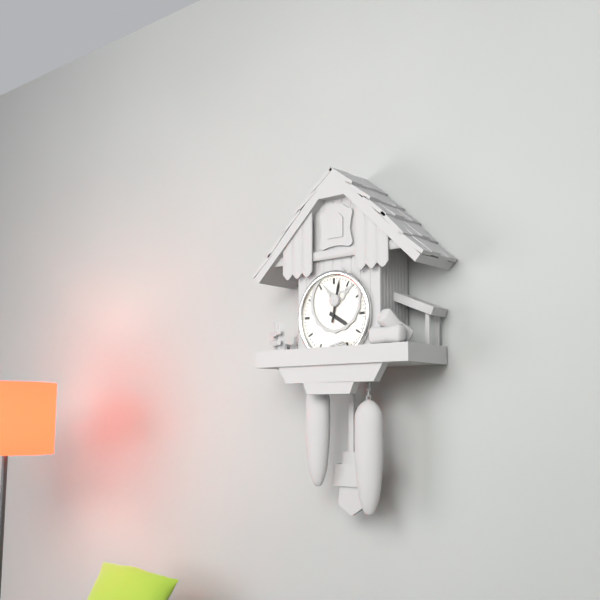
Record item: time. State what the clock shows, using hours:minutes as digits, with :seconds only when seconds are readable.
4:02
